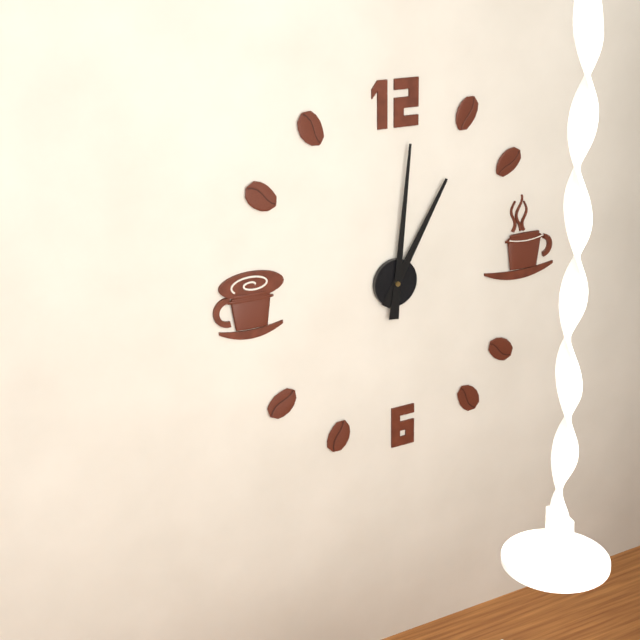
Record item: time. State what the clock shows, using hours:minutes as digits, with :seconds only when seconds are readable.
1:01
